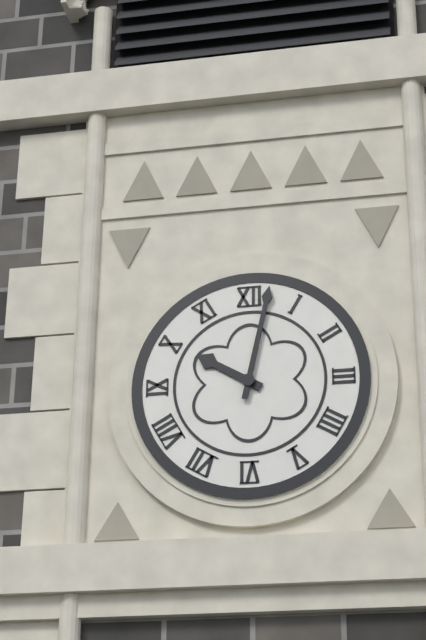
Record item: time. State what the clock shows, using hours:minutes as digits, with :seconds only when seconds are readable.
10:02
